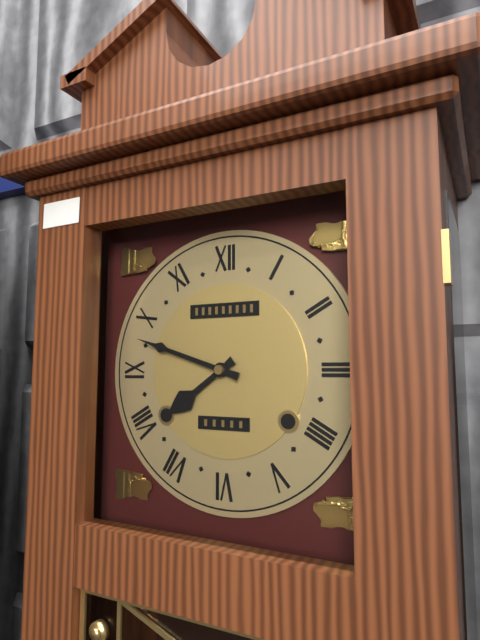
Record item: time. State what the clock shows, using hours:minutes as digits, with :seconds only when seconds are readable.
7:48
